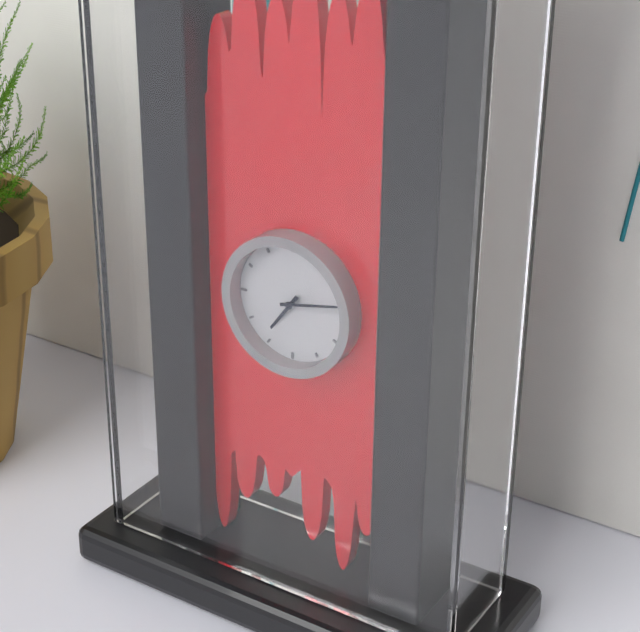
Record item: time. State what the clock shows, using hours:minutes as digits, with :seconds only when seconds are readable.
7:13
